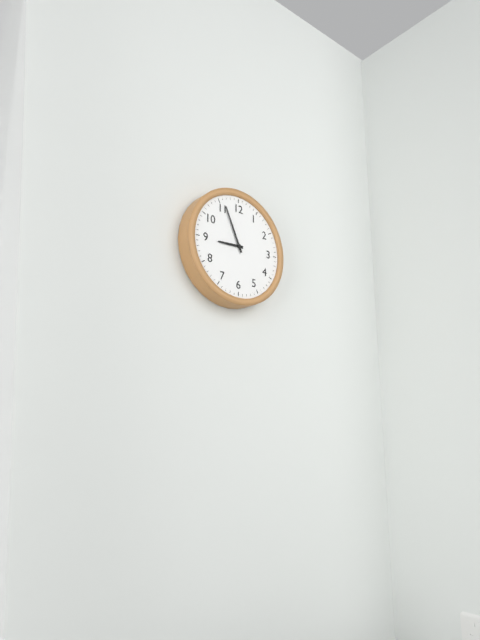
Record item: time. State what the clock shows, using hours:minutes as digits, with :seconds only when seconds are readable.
8:56
